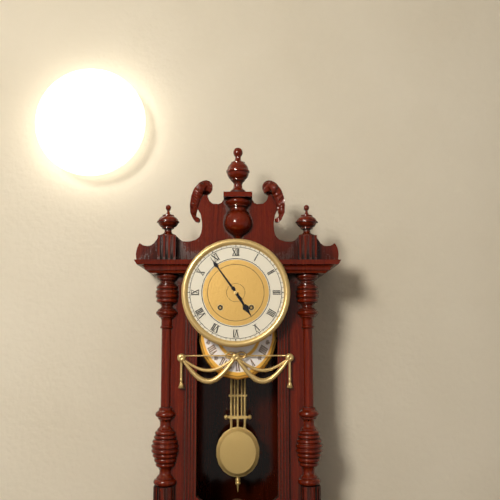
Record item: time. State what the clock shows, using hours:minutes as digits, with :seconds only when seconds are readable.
4:54
